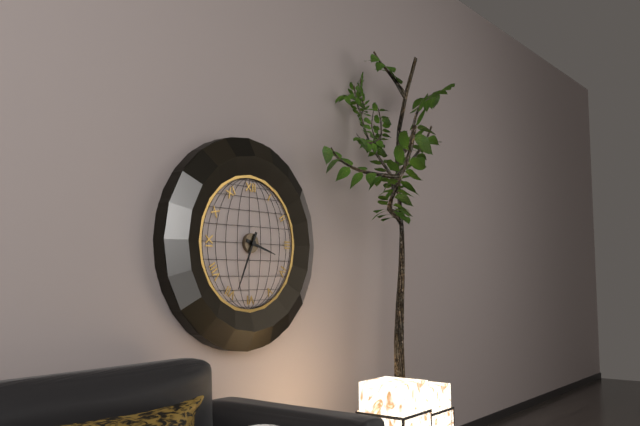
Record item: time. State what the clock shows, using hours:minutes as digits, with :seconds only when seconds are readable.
3:34
